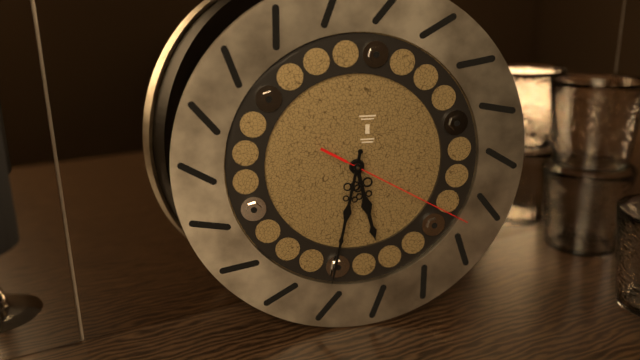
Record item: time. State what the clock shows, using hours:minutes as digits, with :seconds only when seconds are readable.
5:32:20
